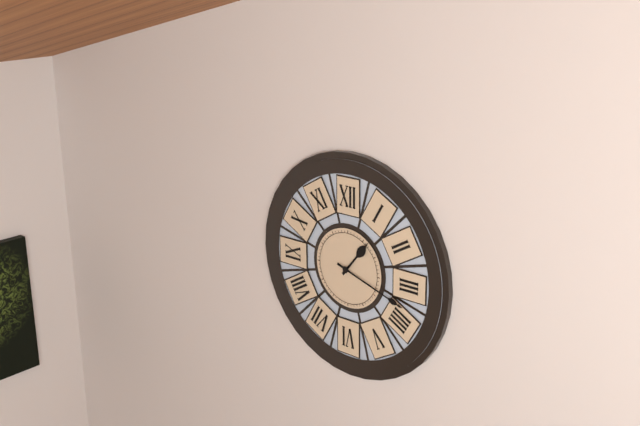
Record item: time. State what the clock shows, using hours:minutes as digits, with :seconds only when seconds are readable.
1:18
